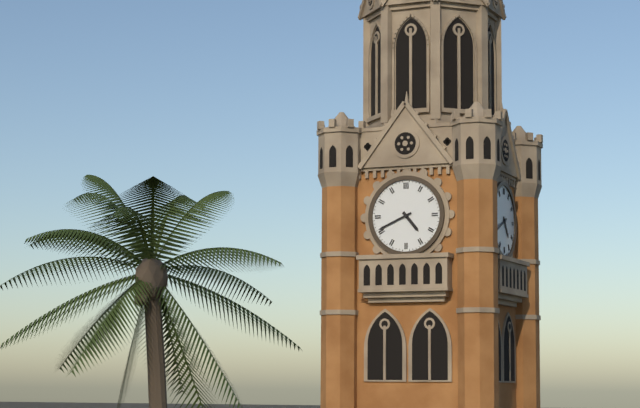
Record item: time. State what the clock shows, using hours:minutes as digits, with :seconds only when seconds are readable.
4:41
